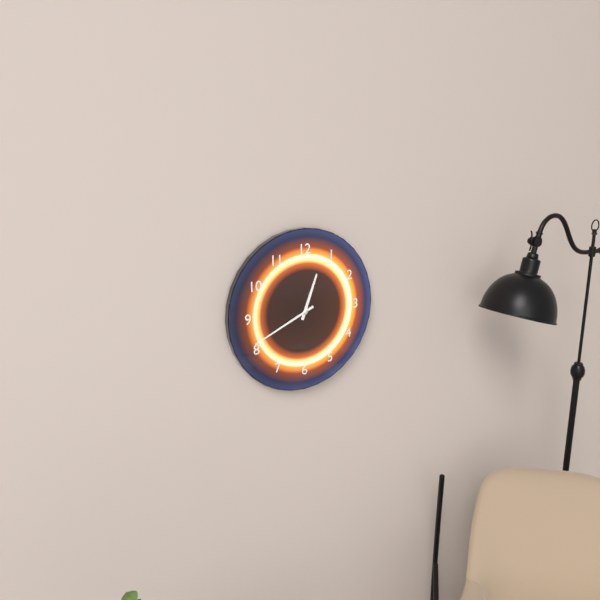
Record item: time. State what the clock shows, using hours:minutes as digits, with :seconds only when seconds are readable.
12:41
